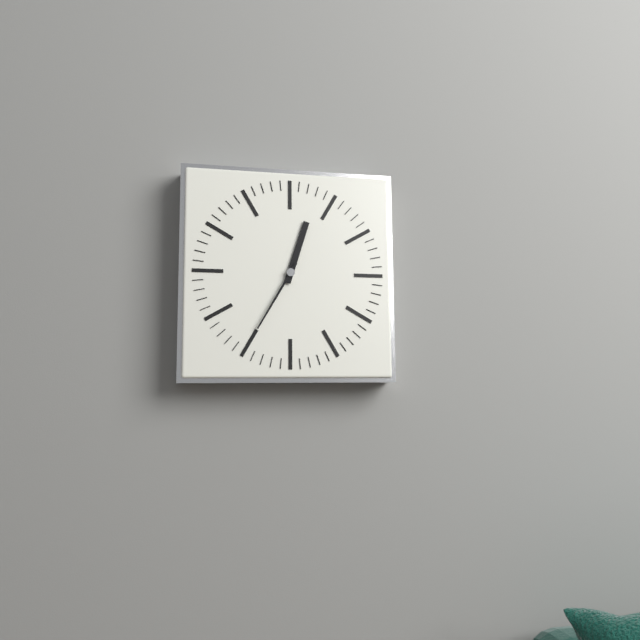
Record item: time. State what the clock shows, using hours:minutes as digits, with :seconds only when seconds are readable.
12:35
